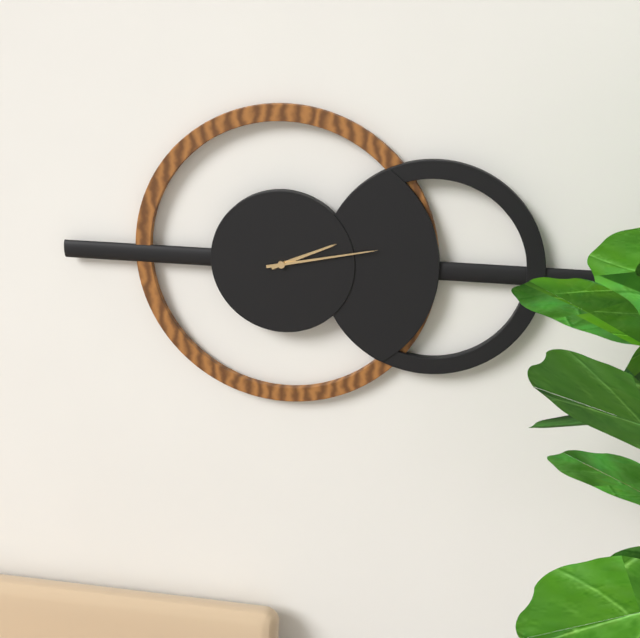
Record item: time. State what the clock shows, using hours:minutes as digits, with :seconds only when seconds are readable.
2:13
